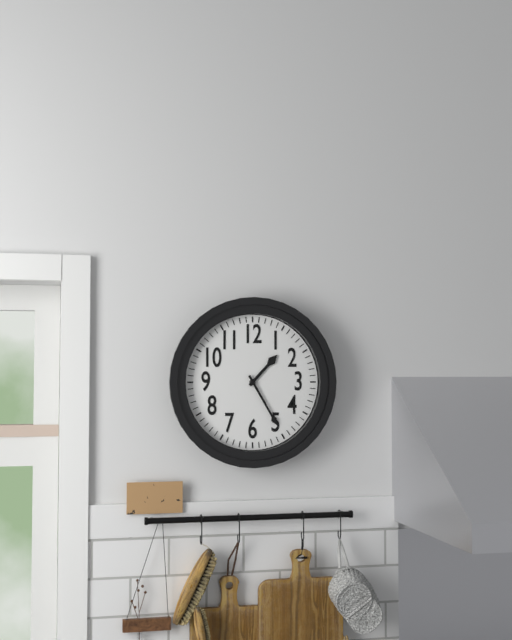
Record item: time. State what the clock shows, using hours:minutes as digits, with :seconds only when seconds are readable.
1:25
